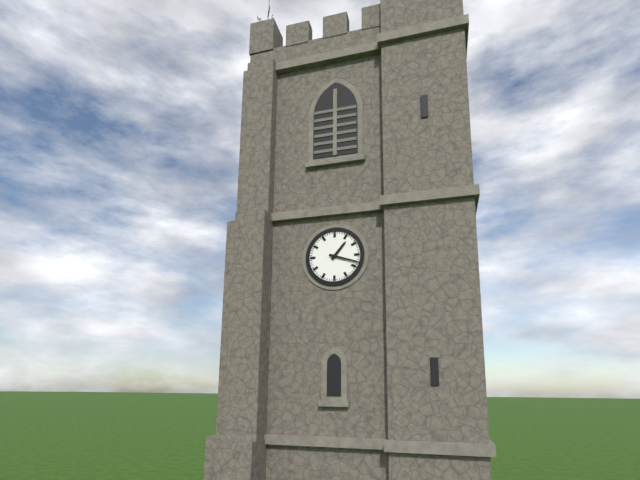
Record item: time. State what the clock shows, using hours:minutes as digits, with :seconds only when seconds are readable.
1:18
